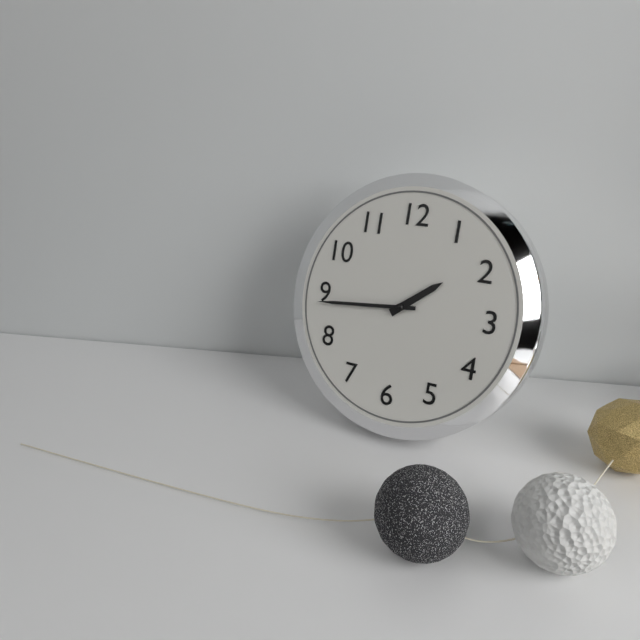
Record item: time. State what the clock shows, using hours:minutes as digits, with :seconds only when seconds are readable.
1:44
